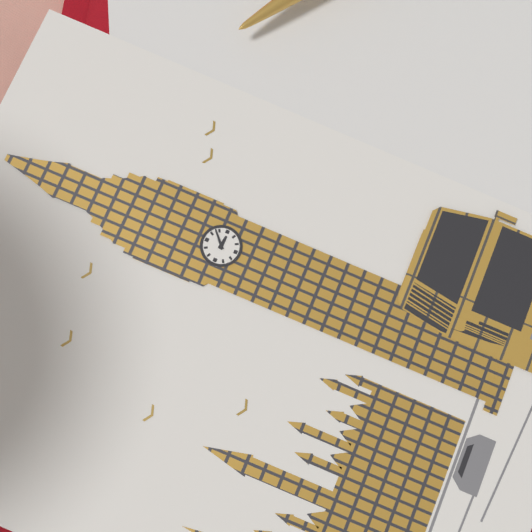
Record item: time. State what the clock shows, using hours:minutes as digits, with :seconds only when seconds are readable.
3:08
